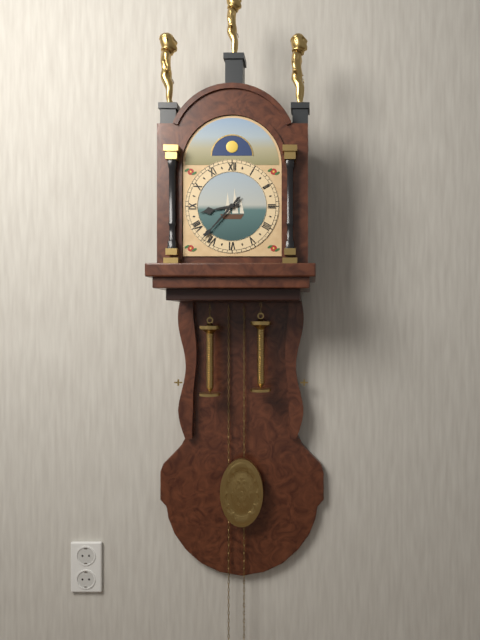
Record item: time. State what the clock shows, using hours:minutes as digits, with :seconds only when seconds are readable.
8:37
